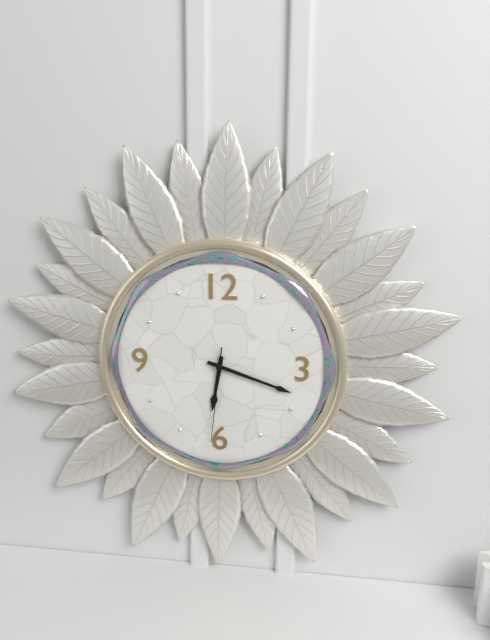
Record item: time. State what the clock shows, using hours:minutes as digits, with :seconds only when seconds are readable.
6:18:31
